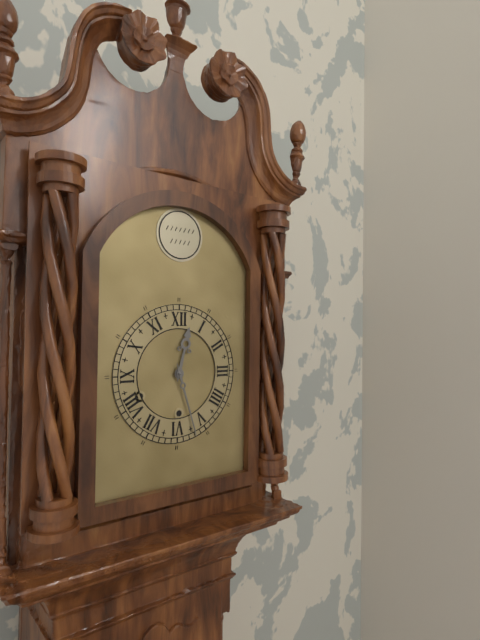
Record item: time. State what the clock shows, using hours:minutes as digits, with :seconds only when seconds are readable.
12:27
